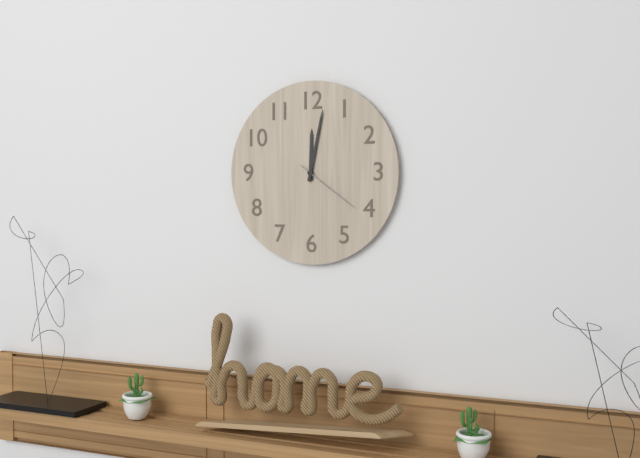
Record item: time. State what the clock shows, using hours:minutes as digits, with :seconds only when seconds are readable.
12:02:21
